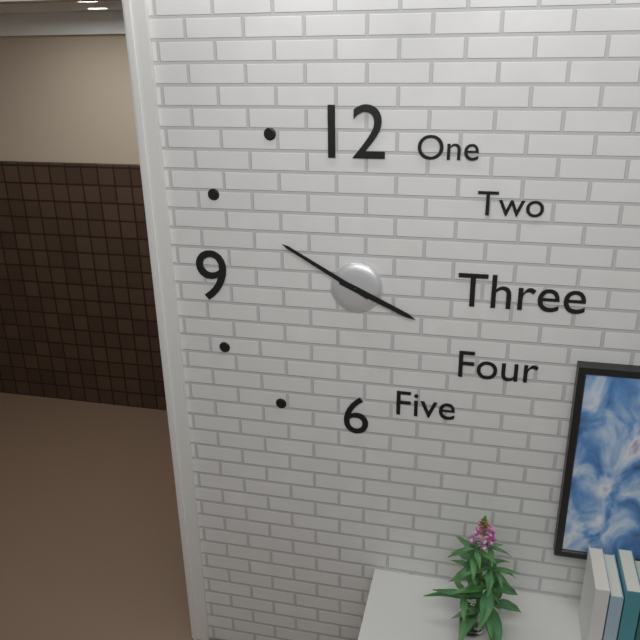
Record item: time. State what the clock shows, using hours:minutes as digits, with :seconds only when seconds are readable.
3:50
